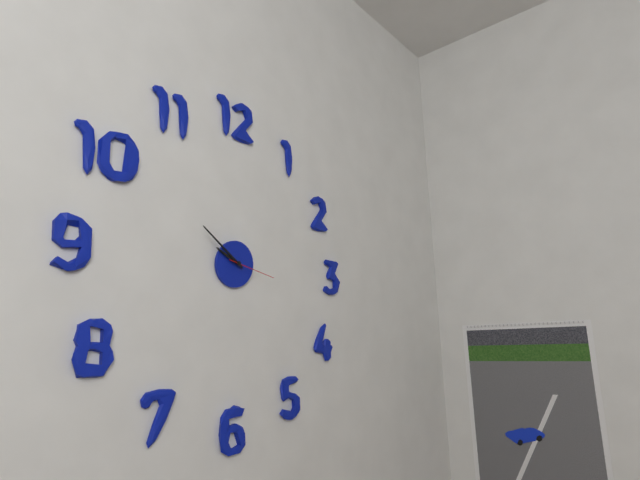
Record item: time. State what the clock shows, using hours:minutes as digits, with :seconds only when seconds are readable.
9:51
